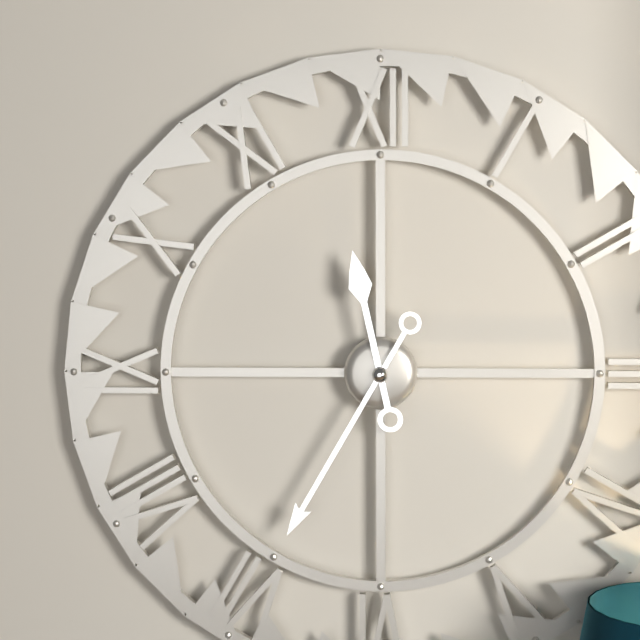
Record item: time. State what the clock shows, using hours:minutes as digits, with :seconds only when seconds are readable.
11:35
